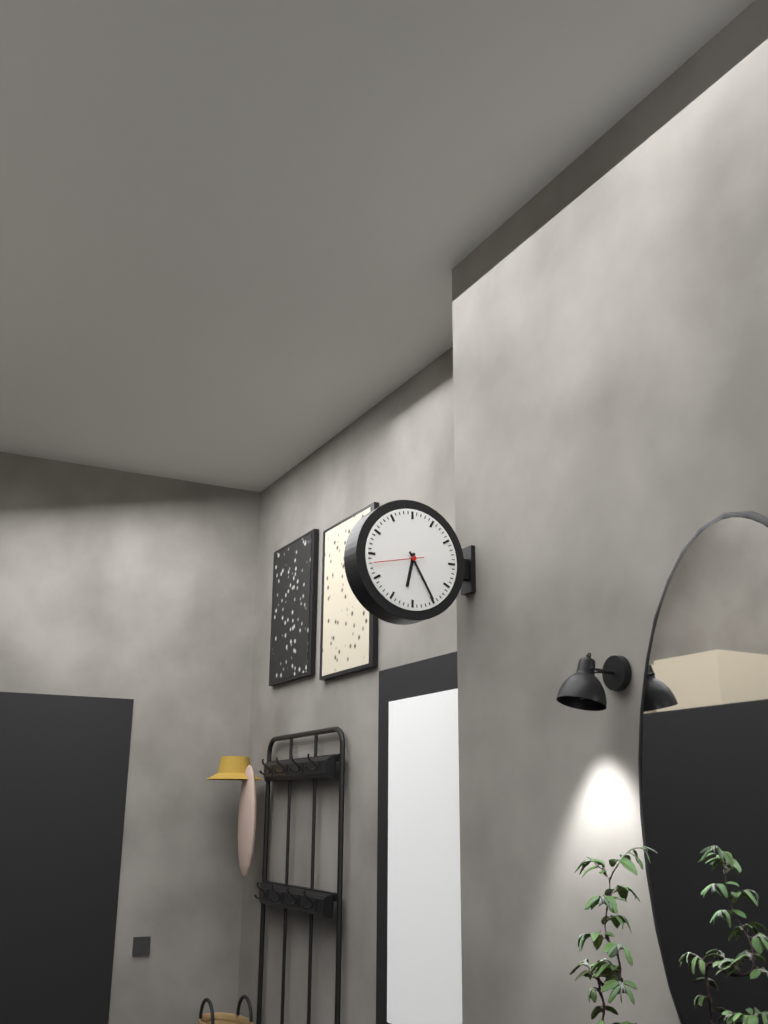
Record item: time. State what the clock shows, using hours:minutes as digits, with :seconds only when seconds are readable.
6:25:43
